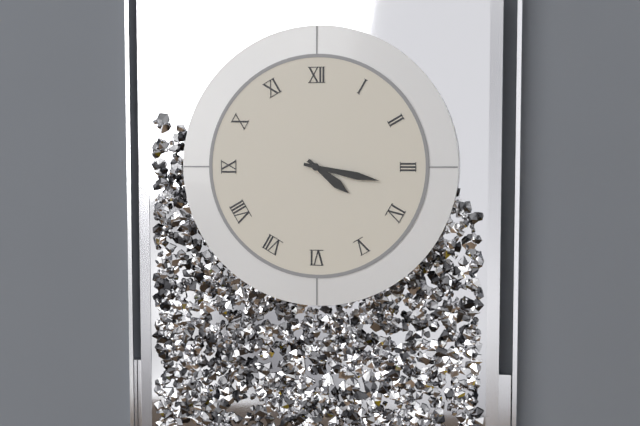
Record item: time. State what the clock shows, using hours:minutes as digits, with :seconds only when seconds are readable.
4:17
